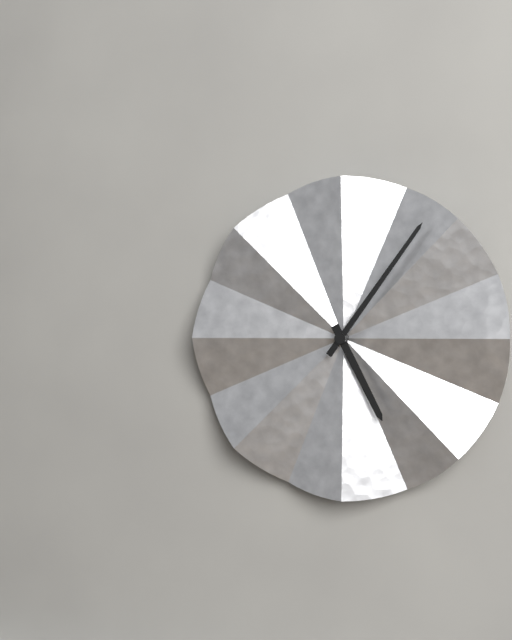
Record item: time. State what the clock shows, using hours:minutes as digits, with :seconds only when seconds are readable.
5:06
